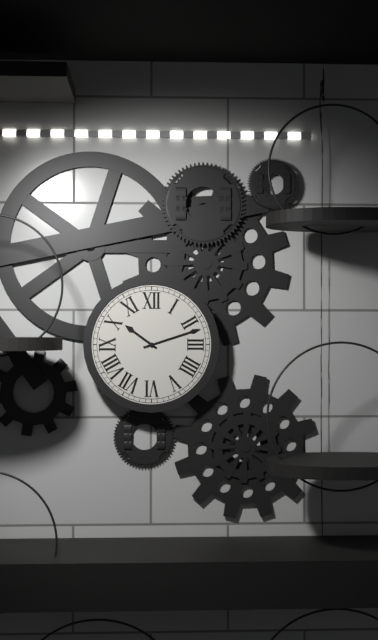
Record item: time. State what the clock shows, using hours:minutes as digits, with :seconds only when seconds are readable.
10:12
